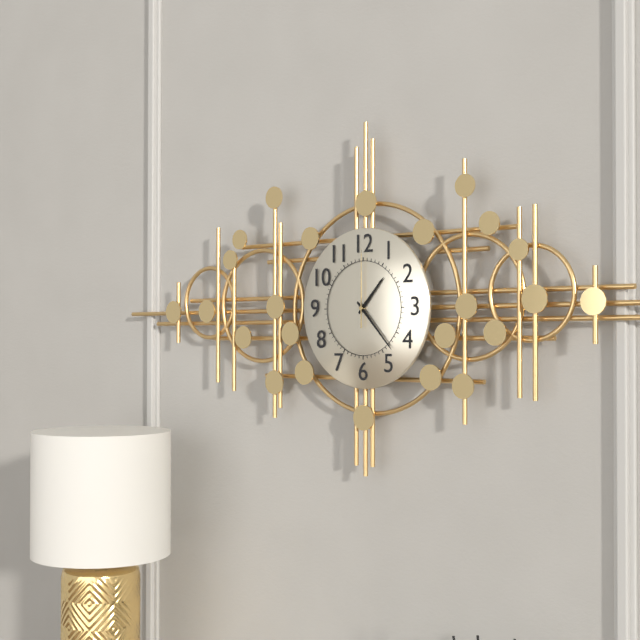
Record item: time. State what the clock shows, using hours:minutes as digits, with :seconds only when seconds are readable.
1:23:00
